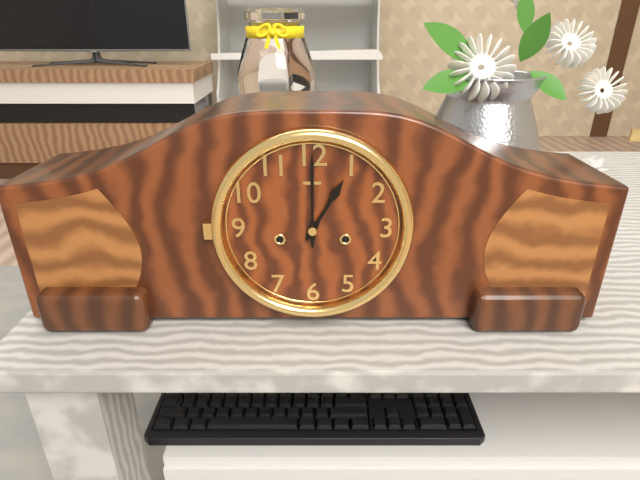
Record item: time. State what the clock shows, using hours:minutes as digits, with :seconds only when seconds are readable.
1:00
